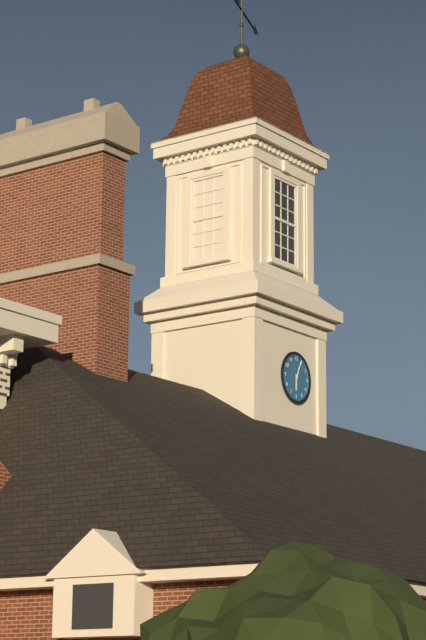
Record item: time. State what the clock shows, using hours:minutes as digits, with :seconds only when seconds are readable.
6:04
